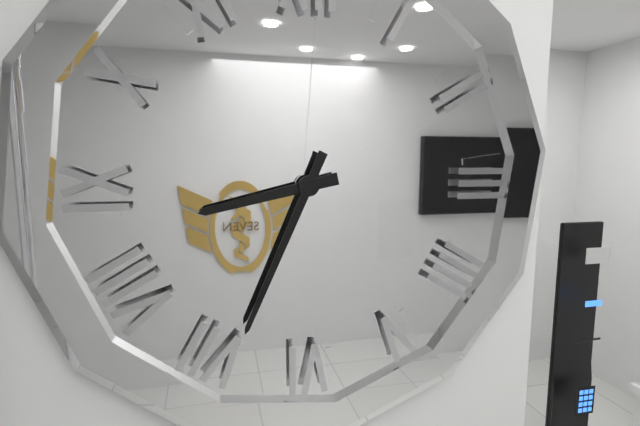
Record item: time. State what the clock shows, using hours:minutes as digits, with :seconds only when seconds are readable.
8:34
